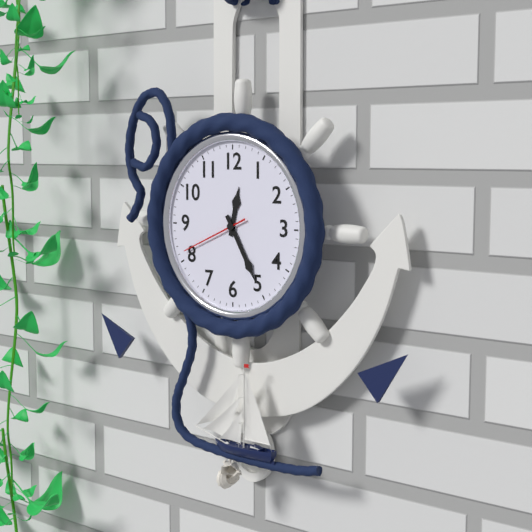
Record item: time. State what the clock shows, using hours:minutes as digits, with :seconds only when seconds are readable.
12:25:41
